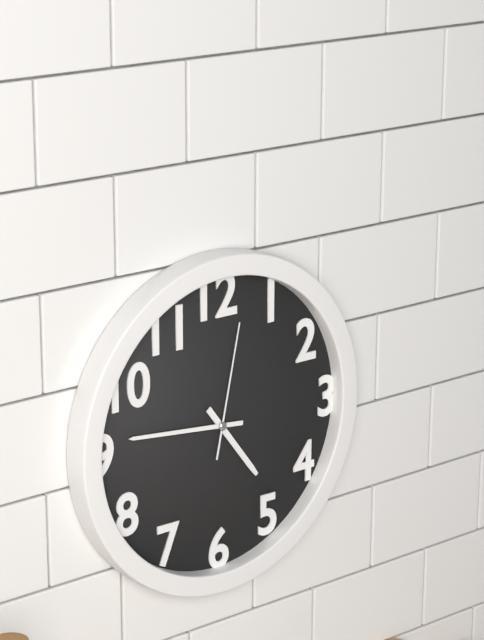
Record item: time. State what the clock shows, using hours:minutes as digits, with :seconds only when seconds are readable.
4:46:02
